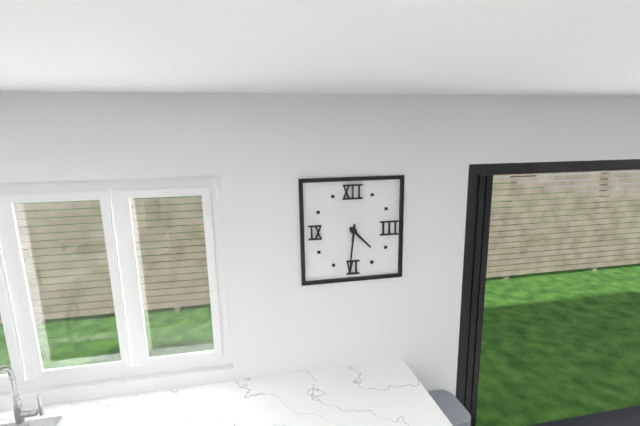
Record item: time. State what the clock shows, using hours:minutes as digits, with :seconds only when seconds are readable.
4:31
